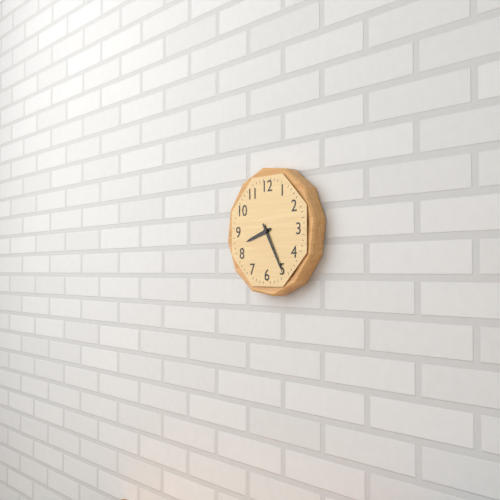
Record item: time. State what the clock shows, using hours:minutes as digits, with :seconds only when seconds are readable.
8:25
